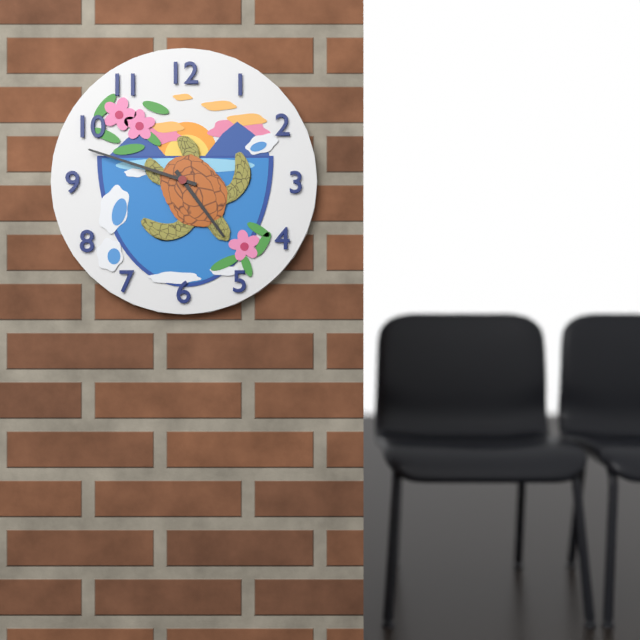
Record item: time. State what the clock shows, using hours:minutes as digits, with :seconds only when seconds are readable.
4:48
